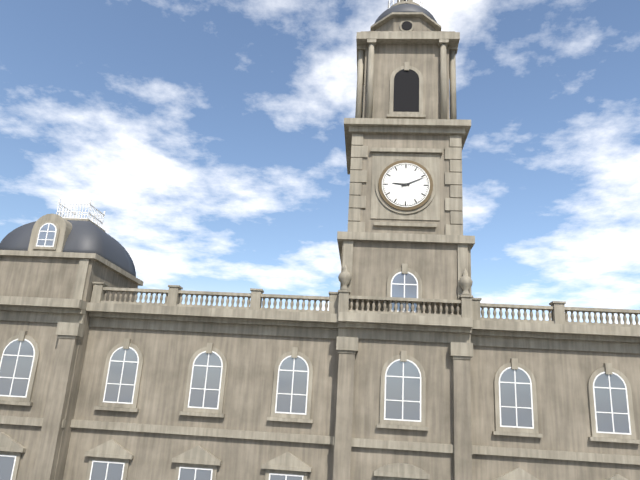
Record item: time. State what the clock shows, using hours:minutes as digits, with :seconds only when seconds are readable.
9:11
